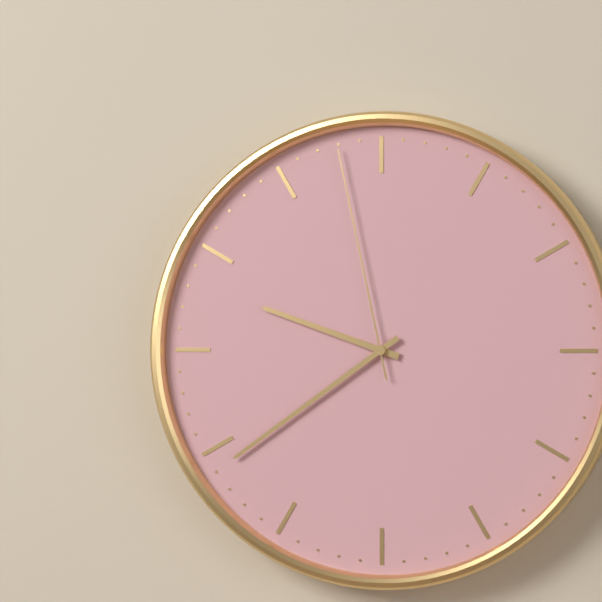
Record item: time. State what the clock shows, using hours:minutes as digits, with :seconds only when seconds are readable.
9:39:58
